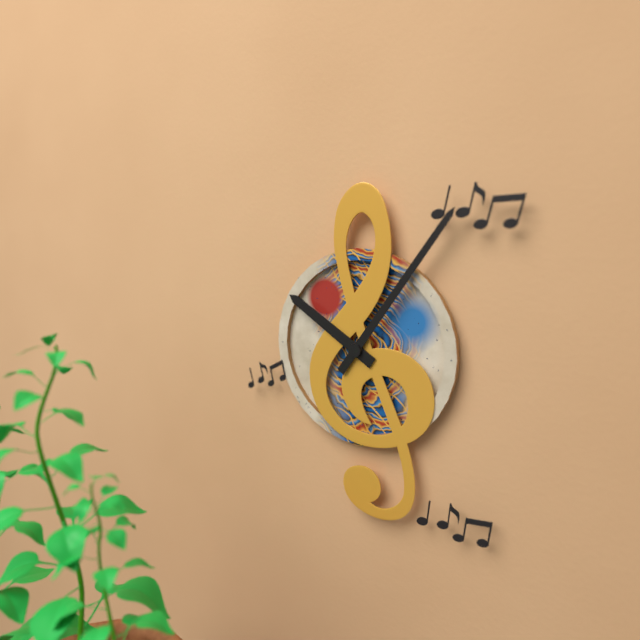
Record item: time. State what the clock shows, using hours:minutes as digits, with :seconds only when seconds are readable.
10:06
